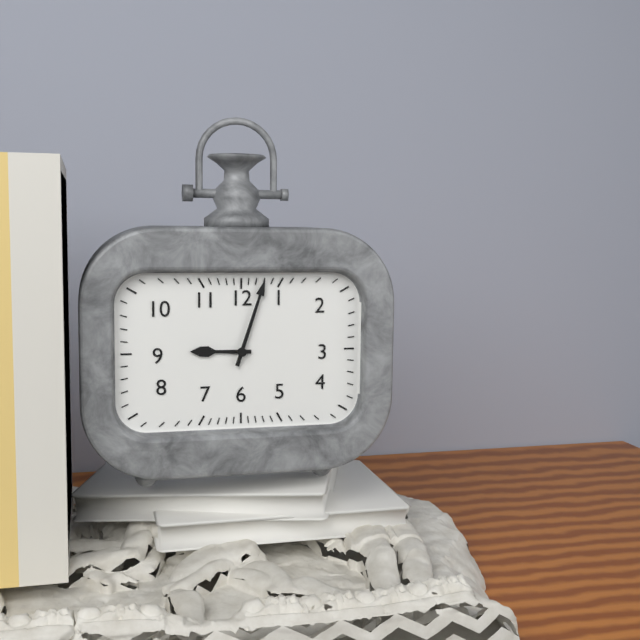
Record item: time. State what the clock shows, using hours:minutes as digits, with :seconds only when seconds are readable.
9:03
